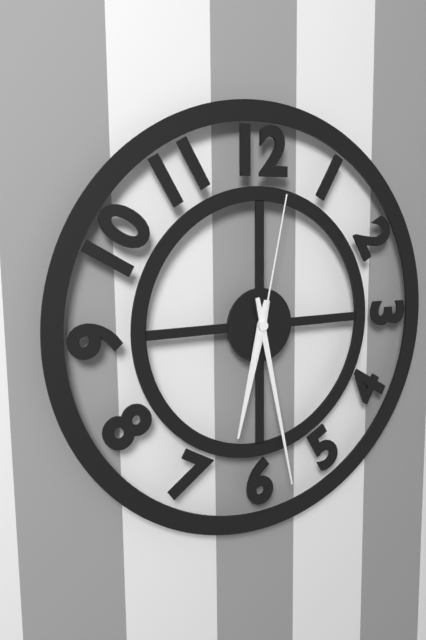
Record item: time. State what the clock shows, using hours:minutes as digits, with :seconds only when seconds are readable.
6:28:02
